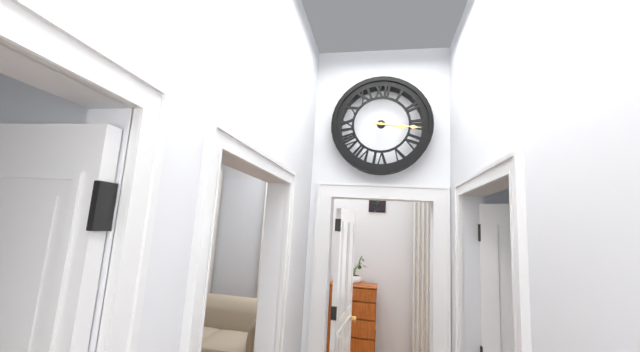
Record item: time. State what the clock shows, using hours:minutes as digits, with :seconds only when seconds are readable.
3:16
